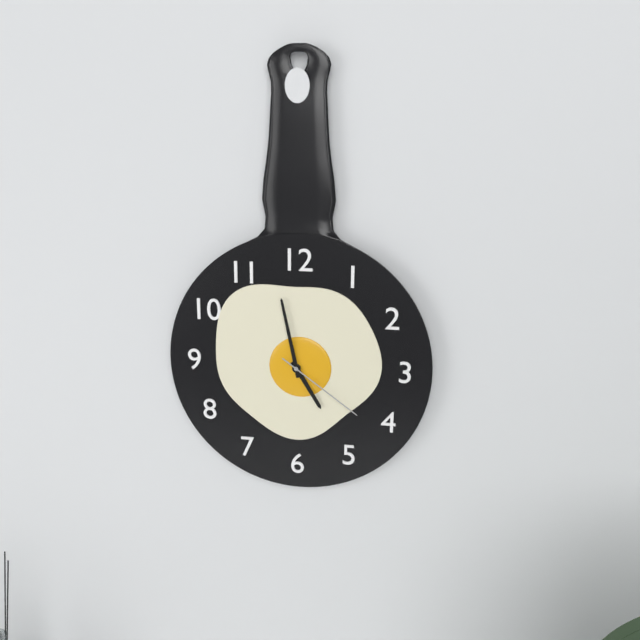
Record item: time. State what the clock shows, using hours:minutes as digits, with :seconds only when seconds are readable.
4:58:21
